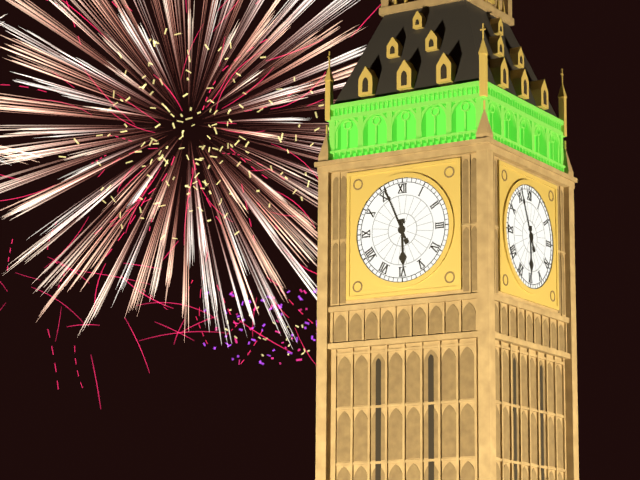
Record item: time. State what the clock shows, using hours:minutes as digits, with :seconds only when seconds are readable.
5:56
